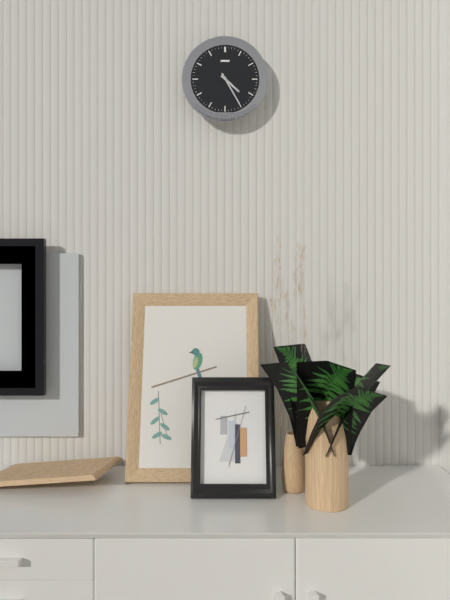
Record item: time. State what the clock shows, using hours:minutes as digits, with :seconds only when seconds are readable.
4:25
